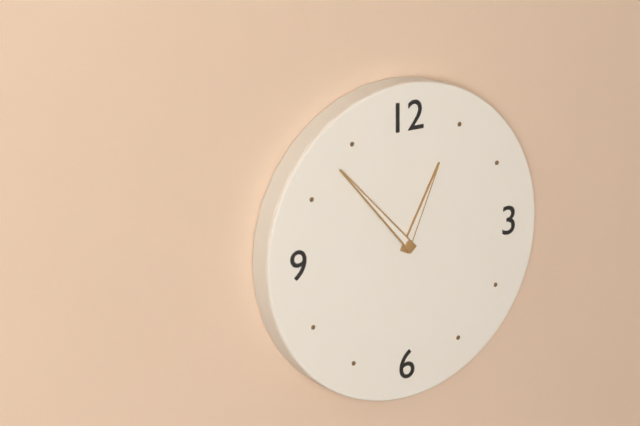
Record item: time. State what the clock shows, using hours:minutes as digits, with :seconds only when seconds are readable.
12:53
